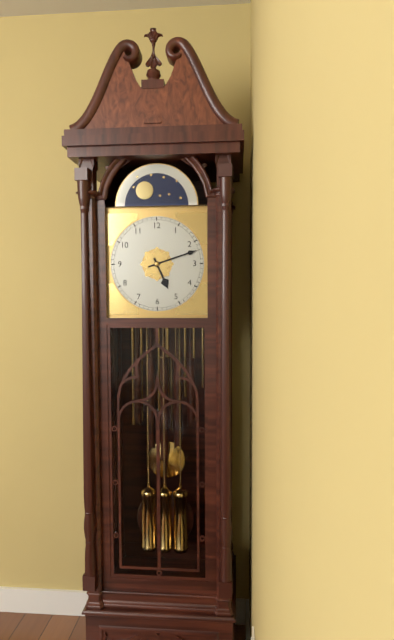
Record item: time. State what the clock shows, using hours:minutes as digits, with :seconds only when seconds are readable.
5:12
